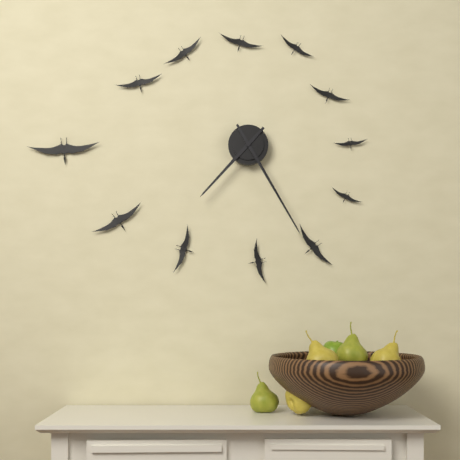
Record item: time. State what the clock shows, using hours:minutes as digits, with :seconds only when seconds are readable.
7:25
